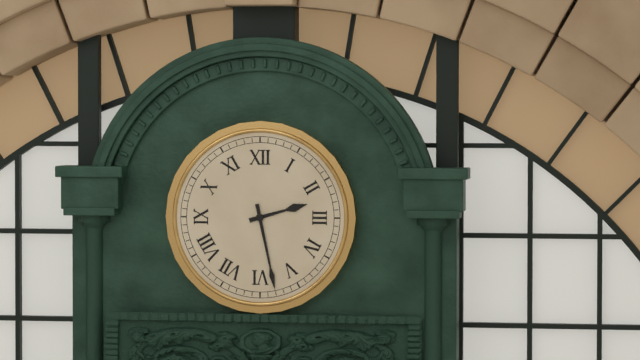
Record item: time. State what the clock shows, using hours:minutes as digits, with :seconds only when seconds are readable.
2:28
